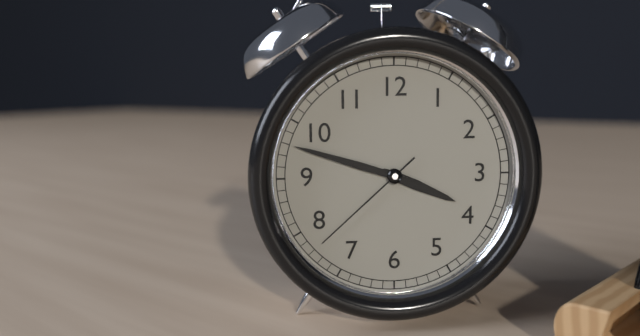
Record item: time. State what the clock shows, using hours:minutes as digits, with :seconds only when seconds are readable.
3:48:38
